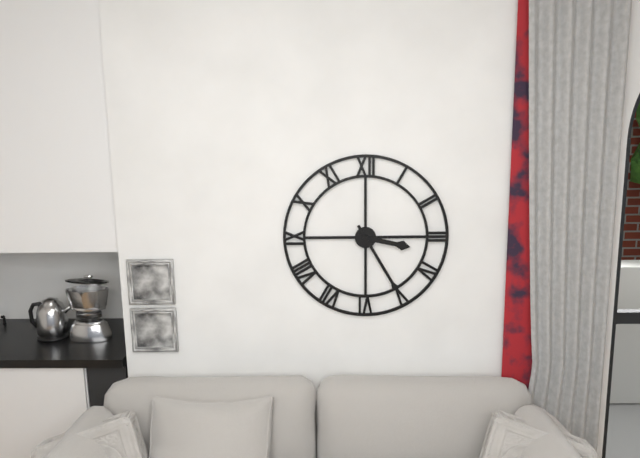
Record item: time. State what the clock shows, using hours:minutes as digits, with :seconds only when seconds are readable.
3:25
